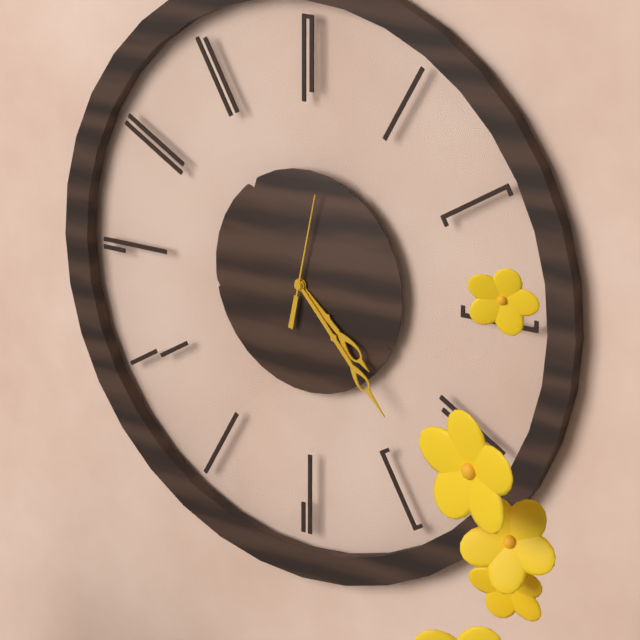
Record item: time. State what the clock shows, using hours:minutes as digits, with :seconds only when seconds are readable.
4:23:02
